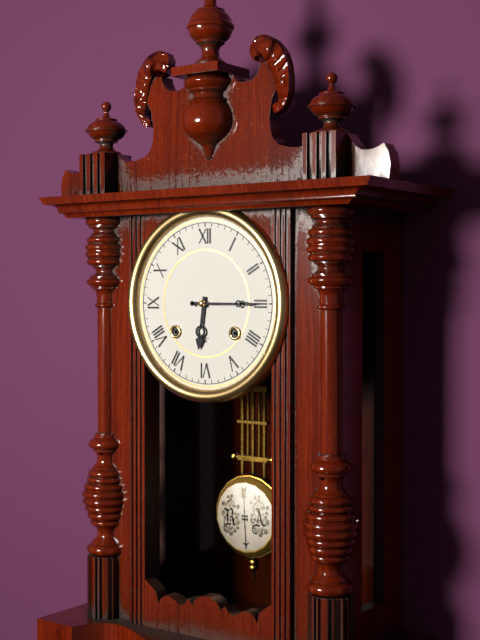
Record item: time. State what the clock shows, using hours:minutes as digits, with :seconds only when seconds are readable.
6:15
